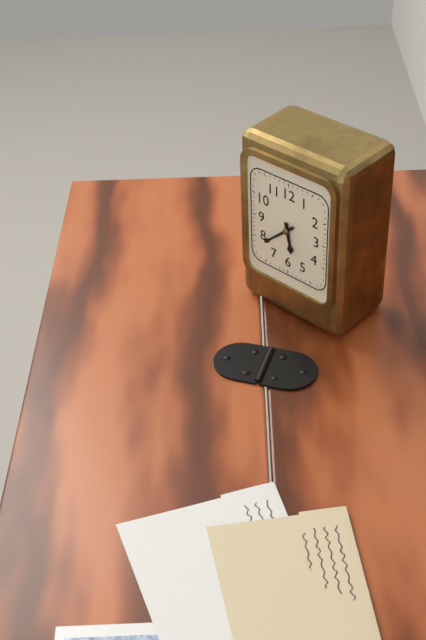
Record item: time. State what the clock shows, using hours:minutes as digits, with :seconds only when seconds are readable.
5:38
